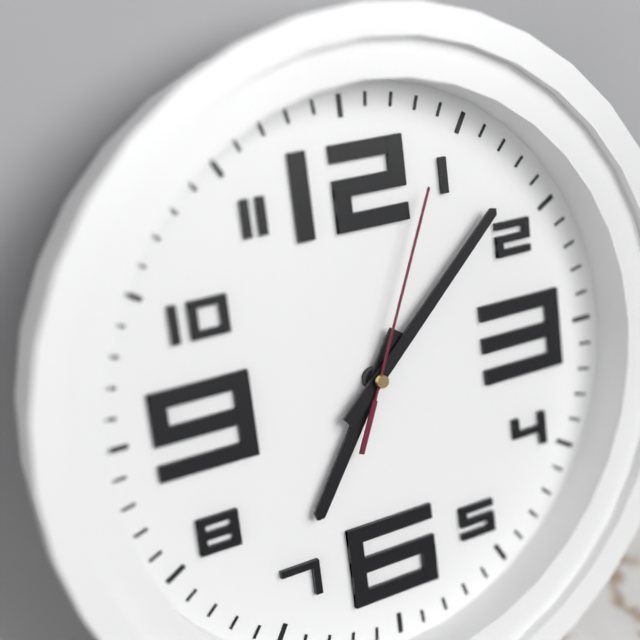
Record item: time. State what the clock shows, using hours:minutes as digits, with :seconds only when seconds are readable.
7:08:04
